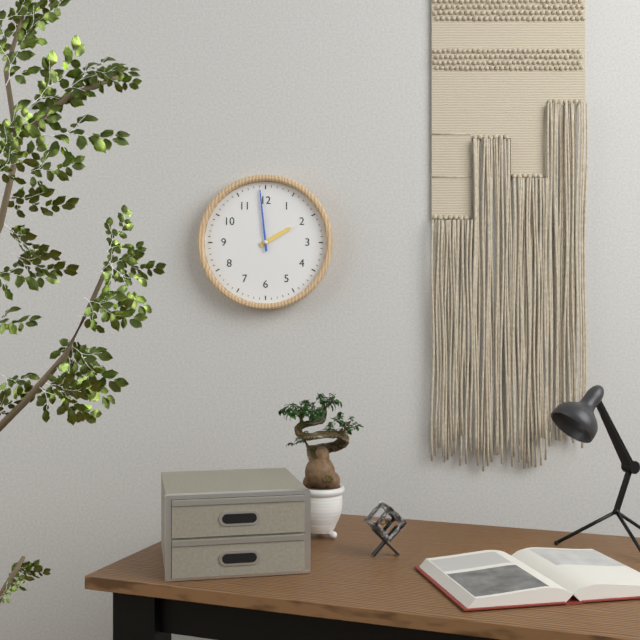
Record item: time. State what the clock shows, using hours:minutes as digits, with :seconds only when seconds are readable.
1:59
